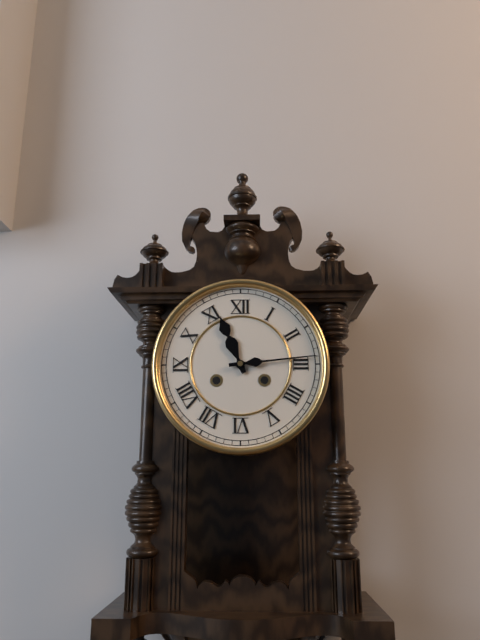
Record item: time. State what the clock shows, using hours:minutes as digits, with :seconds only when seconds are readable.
11:14
